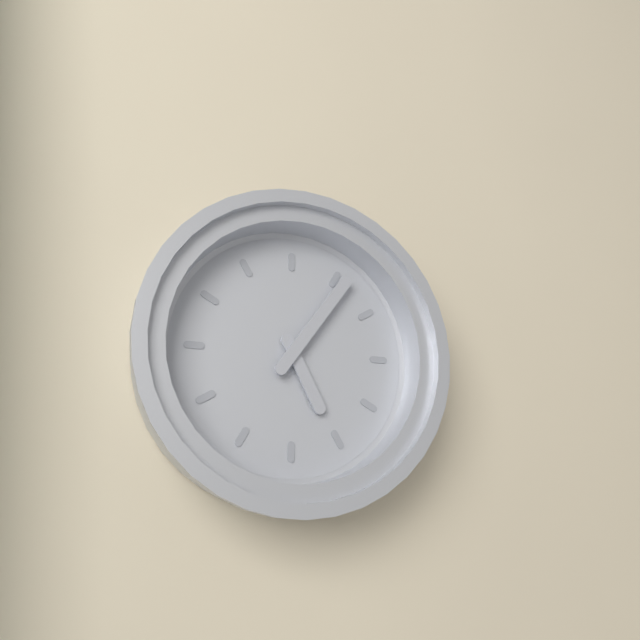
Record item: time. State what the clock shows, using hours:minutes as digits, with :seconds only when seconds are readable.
5:06
